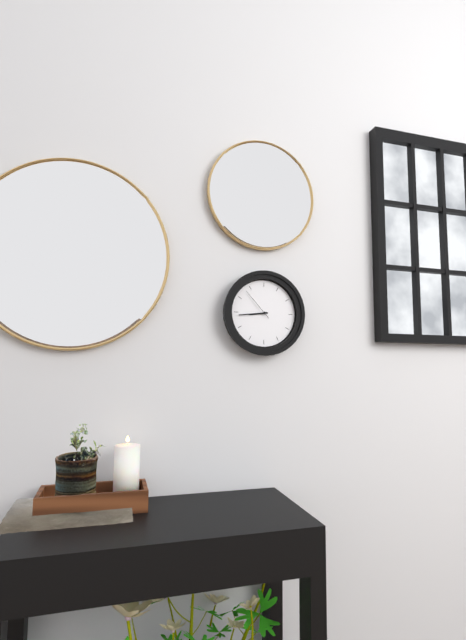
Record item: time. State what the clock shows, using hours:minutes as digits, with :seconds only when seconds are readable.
8:44
